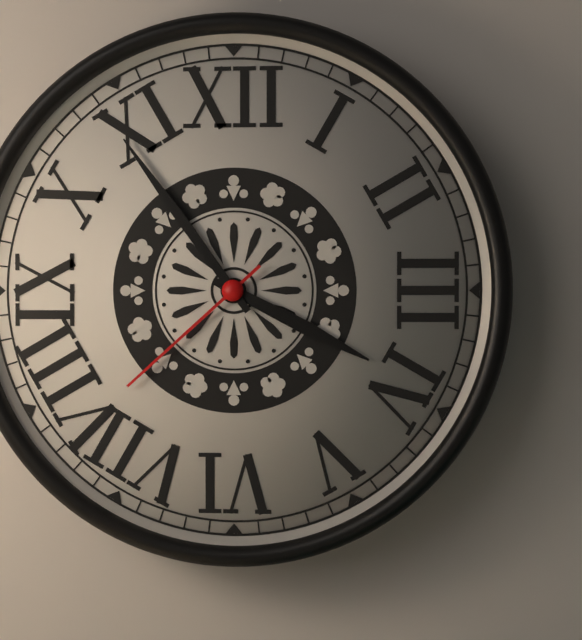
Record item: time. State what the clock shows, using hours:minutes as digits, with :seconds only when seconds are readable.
3:54:38
